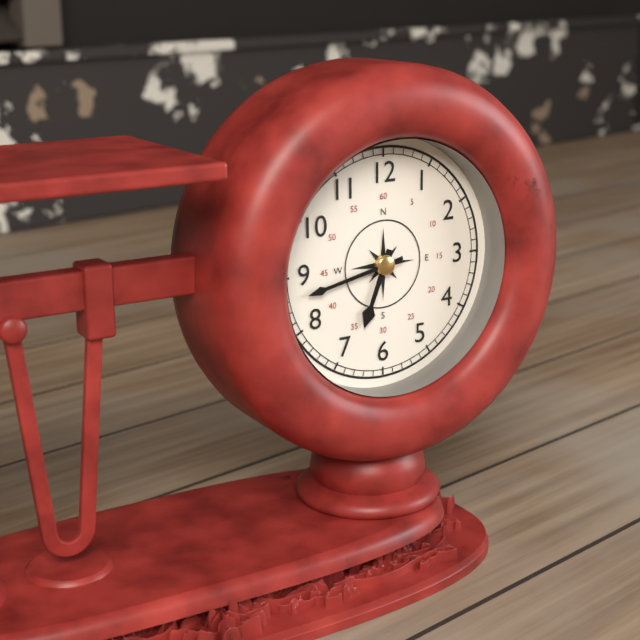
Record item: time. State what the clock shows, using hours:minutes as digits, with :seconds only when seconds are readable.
6:43
